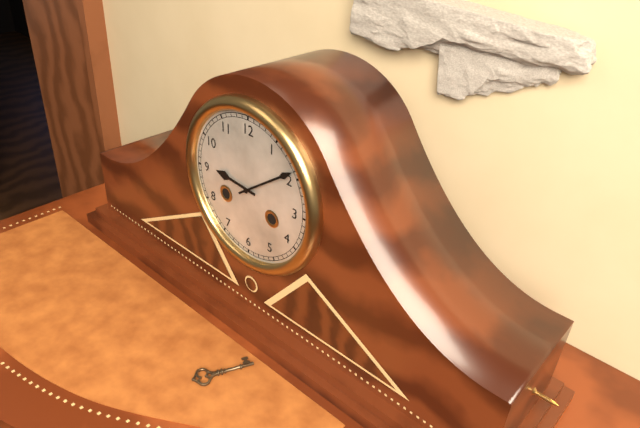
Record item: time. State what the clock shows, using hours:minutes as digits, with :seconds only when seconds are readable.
9:09
